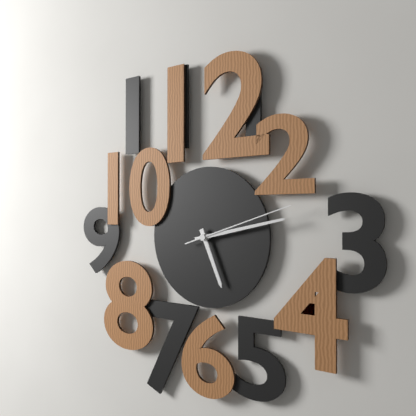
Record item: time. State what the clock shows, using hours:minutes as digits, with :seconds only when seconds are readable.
5:13:12
